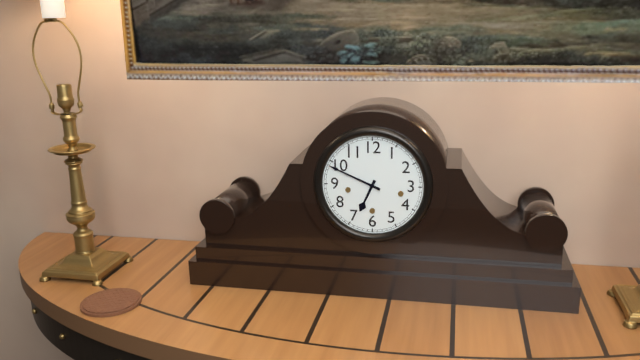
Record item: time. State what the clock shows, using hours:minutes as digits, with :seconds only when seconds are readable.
6:49
